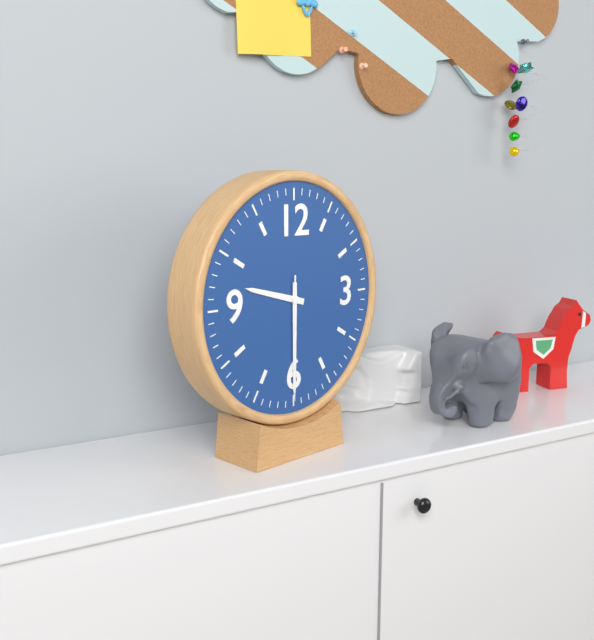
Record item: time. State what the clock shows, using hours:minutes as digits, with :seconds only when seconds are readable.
9:30:30
